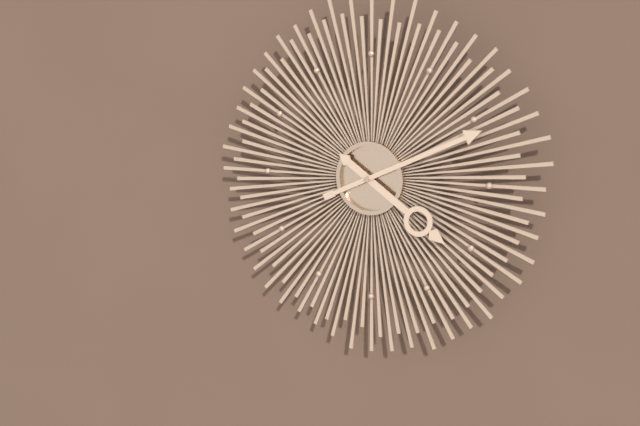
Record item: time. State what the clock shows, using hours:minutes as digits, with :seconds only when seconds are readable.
4:11
